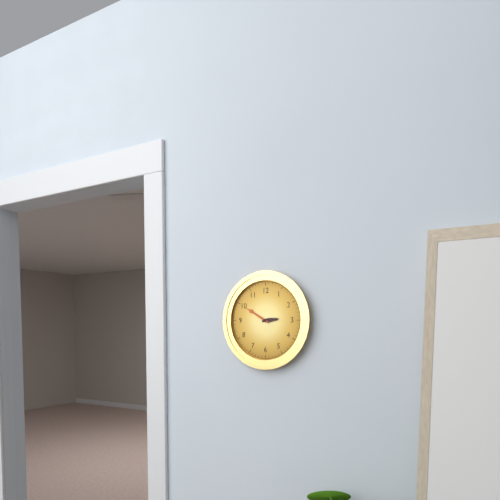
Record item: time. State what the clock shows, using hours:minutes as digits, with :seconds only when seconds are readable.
2:50
